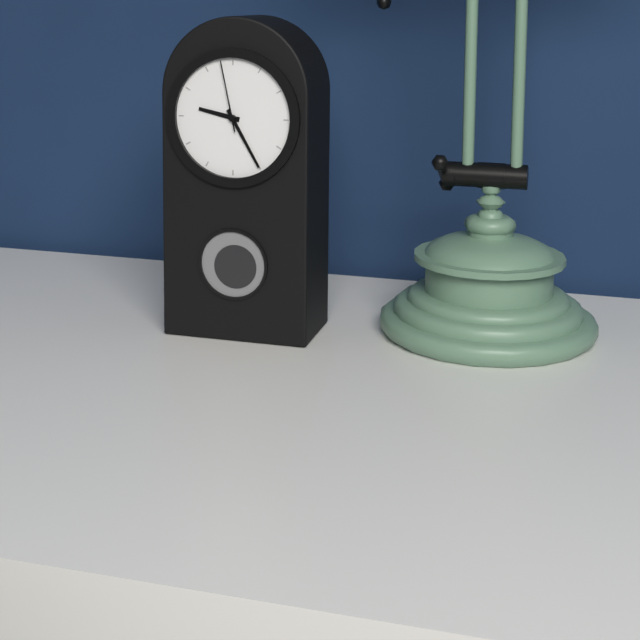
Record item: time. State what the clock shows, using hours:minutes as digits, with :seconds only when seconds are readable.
9:25:58
